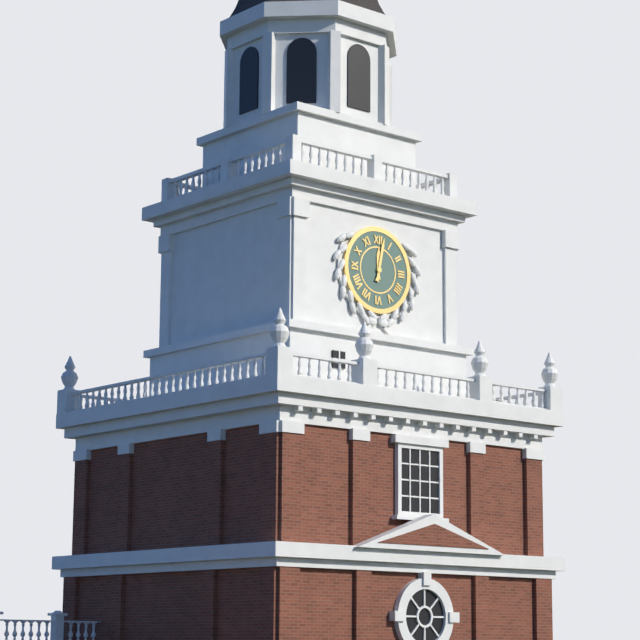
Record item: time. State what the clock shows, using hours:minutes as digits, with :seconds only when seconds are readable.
12:02
